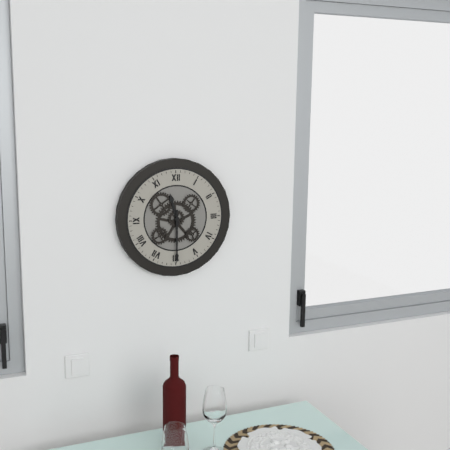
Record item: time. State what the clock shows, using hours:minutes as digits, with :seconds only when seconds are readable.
11:30
